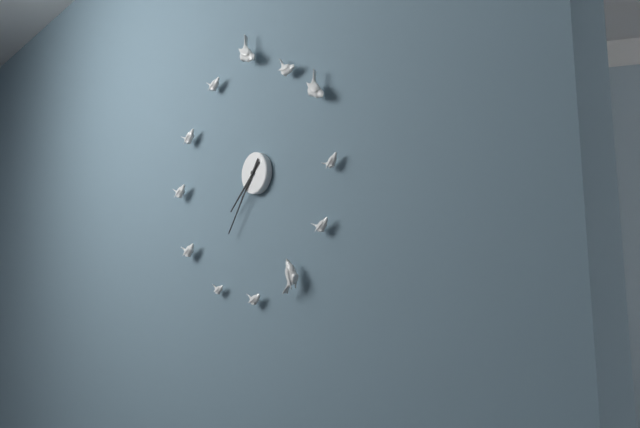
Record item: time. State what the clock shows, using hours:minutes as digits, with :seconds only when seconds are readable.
7:36
